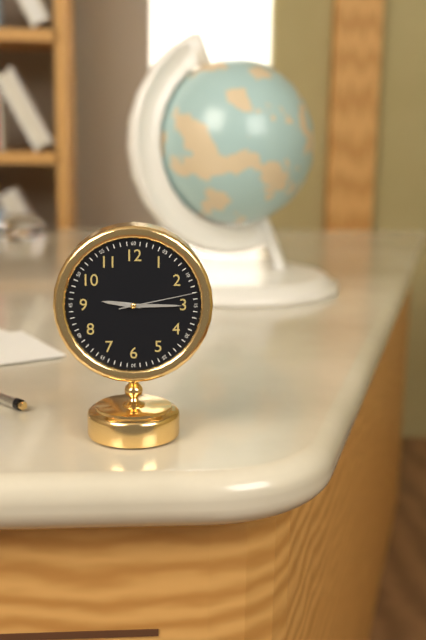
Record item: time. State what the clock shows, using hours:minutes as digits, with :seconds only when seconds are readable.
9:15:13
